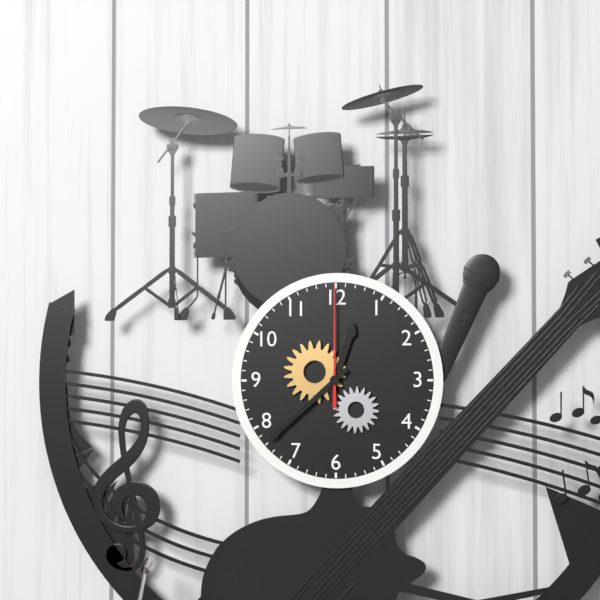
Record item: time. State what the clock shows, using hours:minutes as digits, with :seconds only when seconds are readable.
12:38:00
